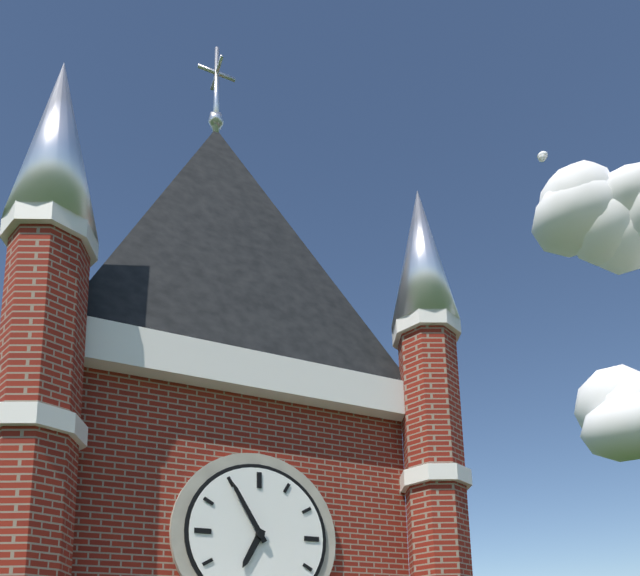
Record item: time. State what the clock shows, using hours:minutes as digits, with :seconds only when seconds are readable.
6:55
